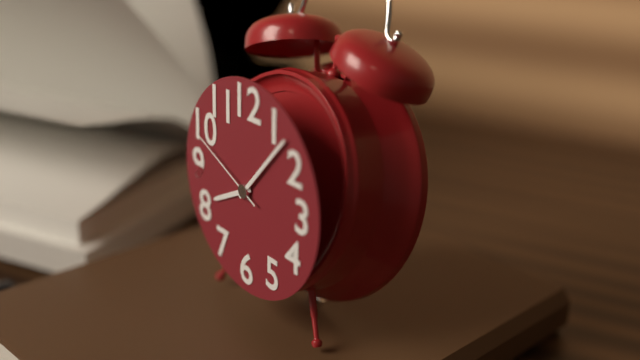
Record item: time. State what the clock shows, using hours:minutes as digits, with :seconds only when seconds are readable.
8:07:49
